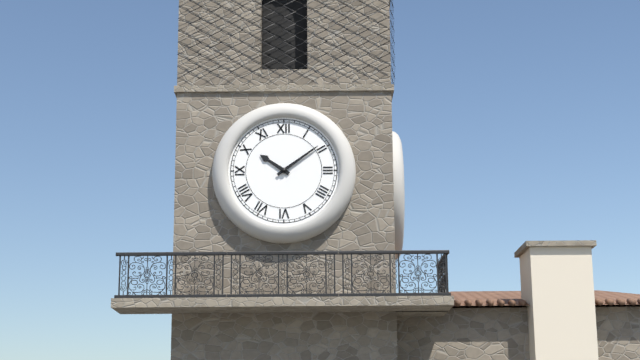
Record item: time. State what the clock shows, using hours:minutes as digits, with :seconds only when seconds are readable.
10:09
